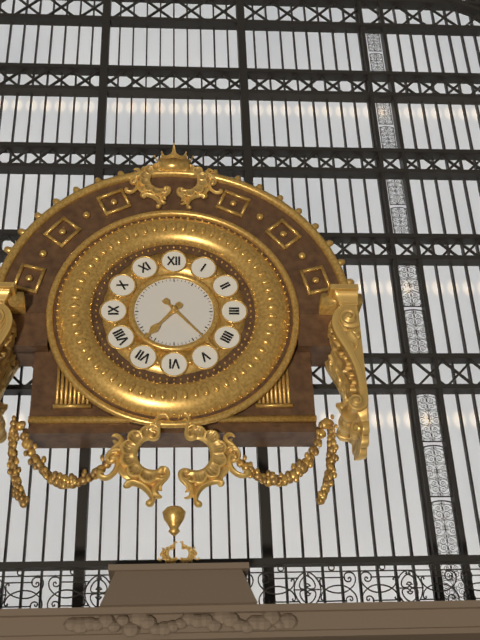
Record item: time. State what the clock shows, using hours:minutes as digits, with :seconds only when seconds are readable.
7:23
